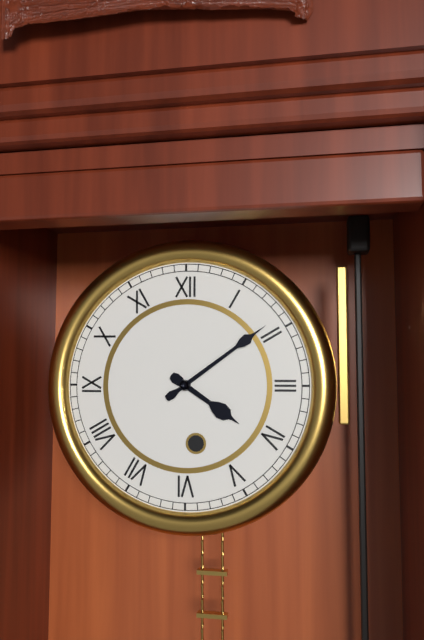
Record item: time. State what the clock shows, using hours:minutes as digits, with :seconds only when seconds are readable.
4:09
